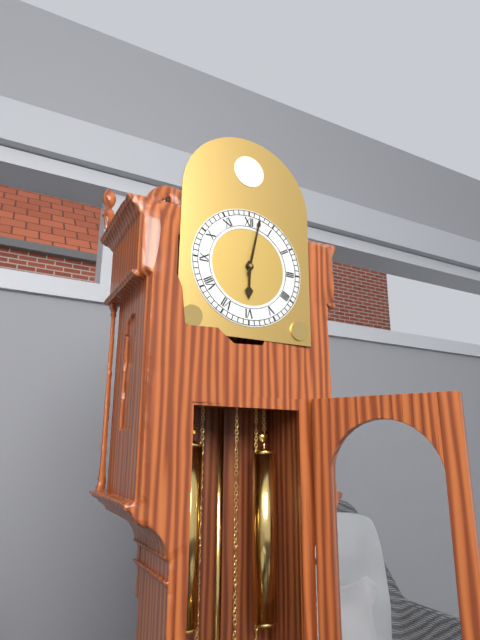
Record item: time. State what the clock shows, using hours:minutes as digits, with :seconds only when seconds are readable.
6:02
